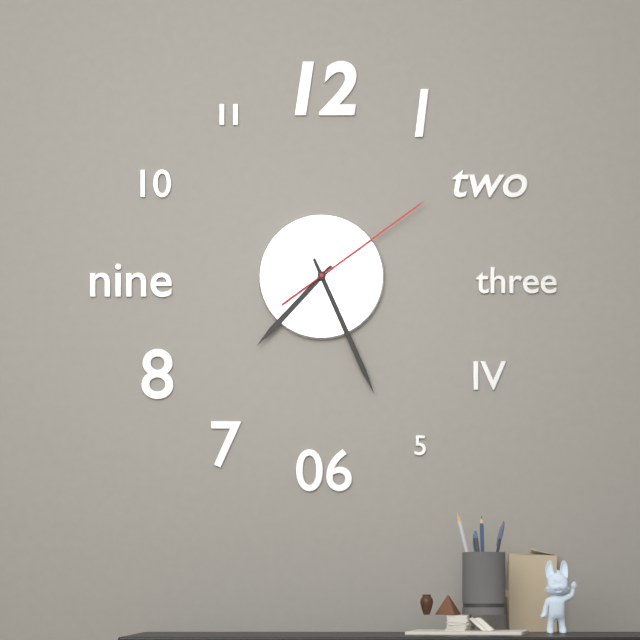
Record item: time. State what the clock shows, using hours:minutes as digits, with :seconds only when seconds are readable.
7:26:09
